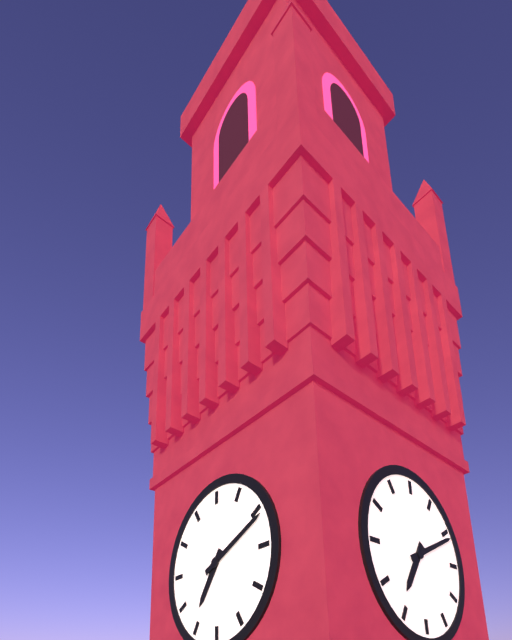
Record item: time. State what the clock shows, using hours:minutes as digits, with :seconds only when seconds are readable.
7:11
